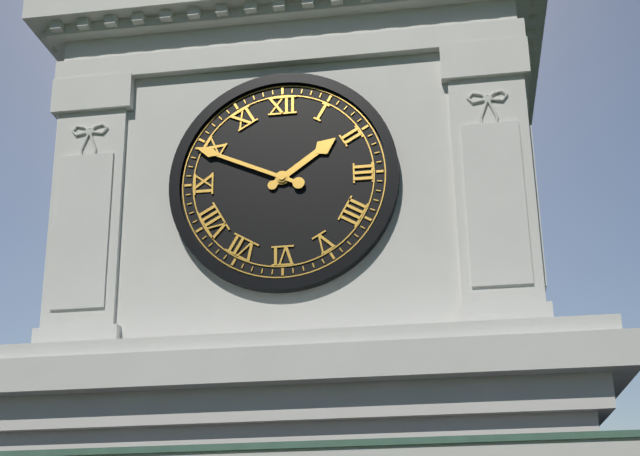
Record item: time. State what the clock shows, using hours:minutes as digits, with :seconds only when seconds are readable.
1:49
